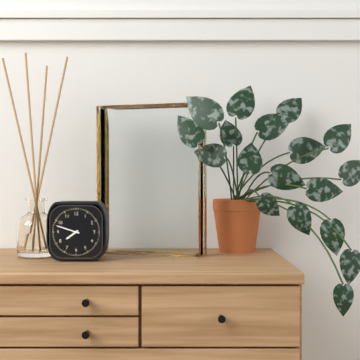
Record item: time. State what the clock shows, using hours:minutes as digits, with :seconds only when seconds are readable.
7:48
